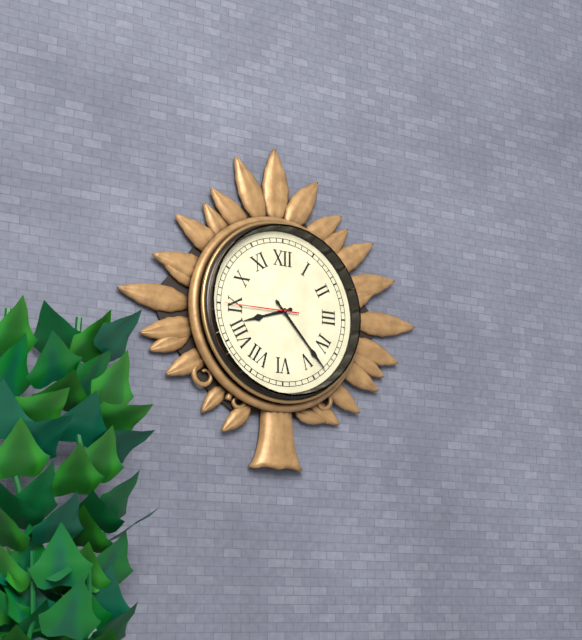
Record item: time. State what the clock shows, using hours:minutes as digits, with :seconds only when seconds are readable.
8:23:45
